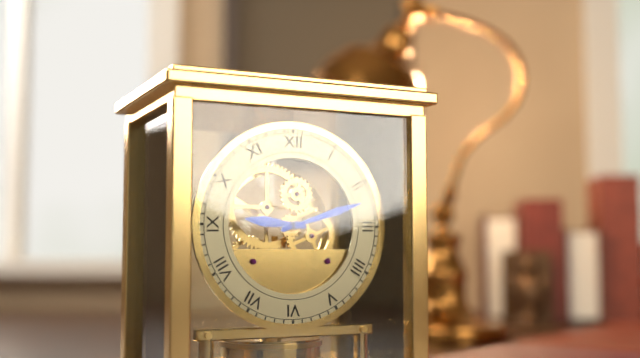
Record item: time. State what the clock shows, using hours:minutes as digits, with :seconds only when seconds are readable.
9:12
